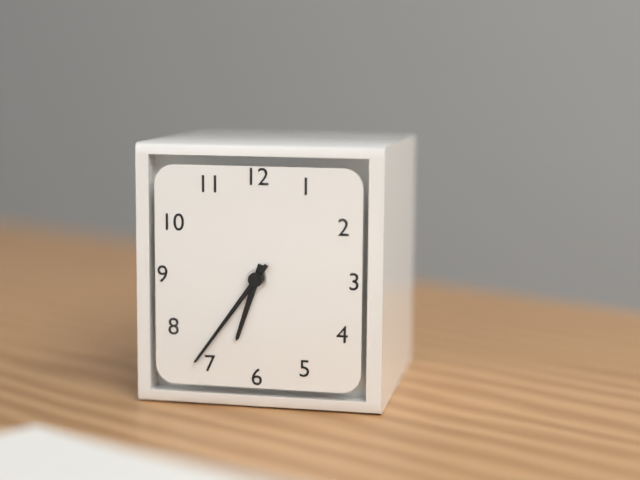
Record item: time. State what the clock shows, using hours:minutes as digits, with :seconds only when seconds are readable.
6:36
